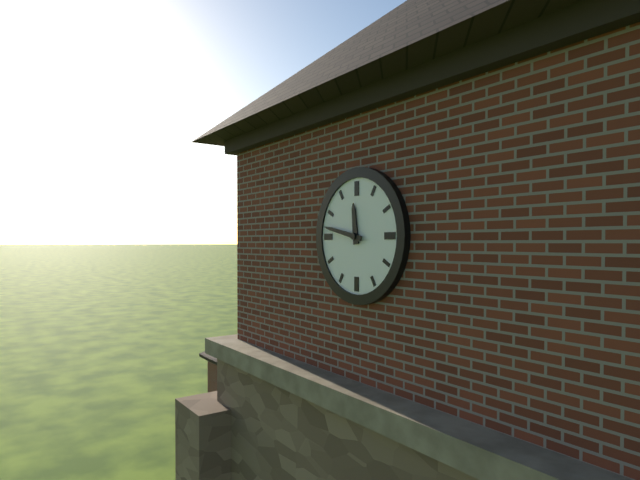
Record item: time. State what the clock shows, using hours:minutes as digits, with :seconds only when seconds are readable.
11:47
